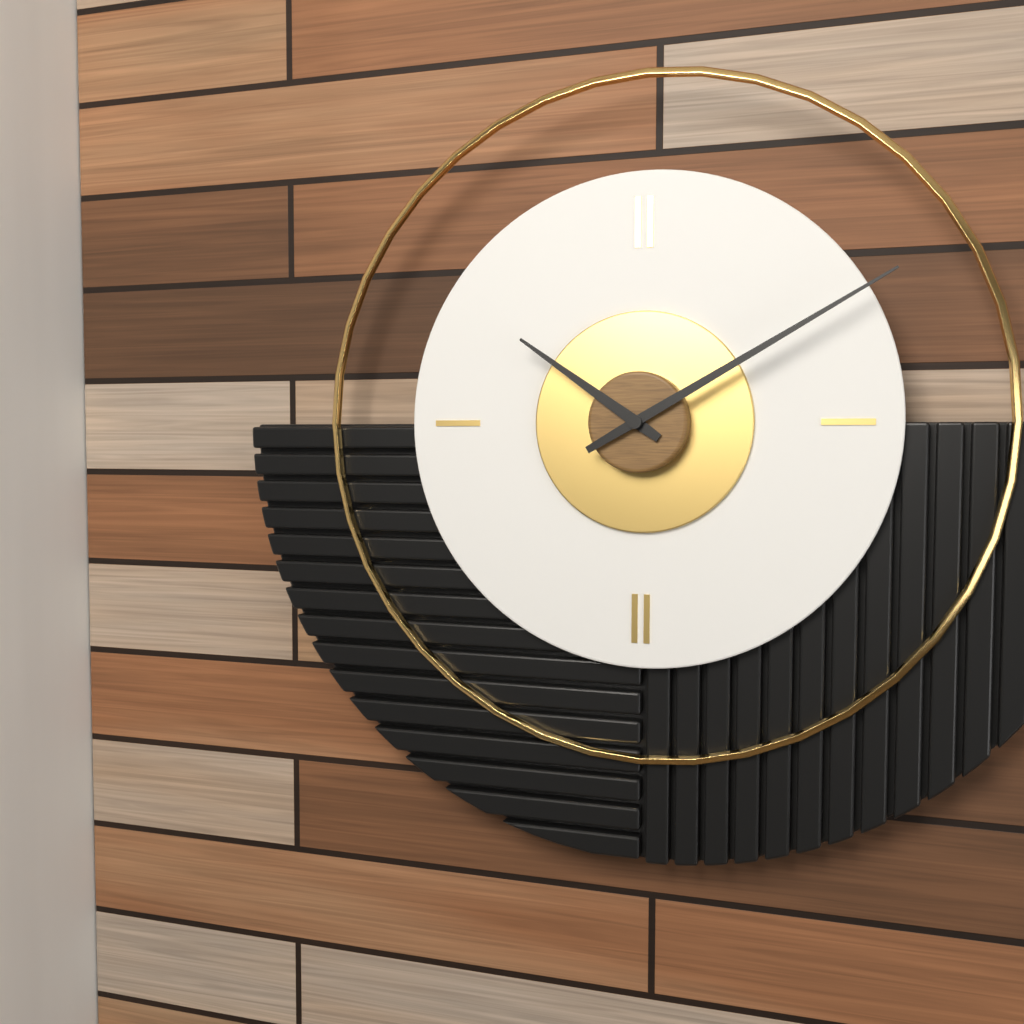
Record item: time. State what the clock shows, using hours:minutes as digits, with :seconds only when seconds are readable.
10:10
